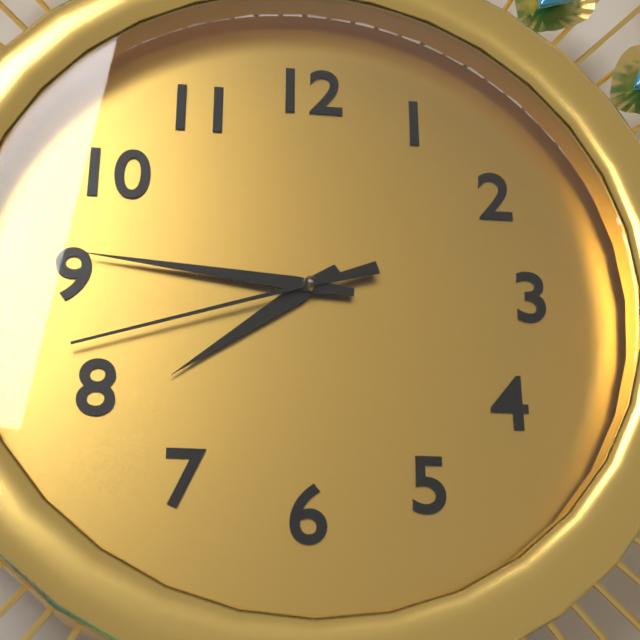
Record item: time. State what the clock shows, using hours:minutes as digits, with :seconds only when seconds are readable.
7:46:42
